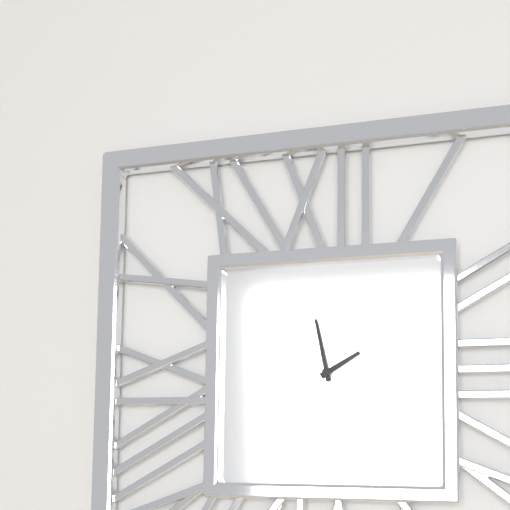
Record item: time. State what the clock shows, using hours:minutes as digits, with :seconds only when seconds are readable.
1:58
